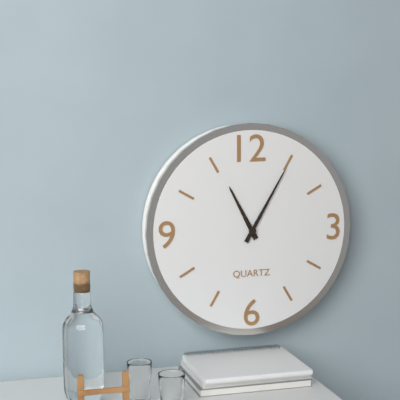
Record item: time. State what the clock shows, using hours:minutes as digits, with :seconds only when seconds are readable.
11:05
